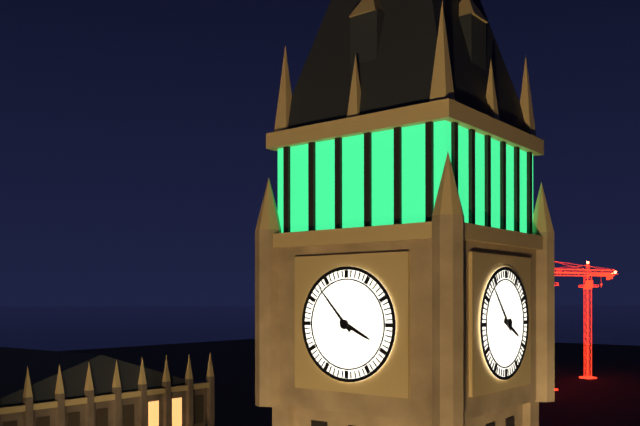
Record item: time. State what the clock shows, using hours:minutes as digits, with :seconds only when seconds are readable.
3:53
